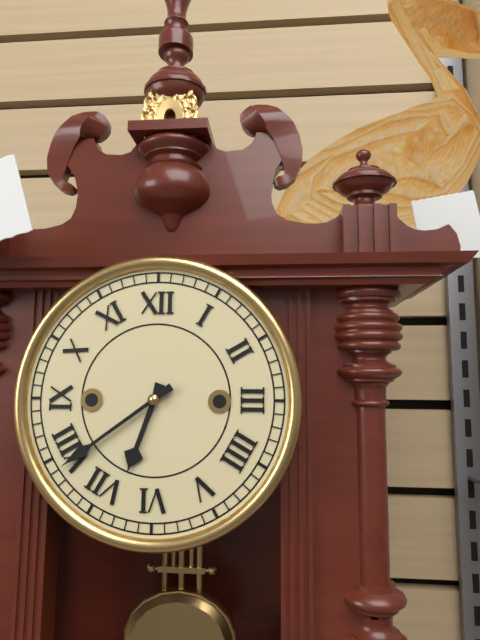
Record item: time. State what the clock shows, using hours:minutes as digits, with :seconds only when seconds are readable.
6:39
